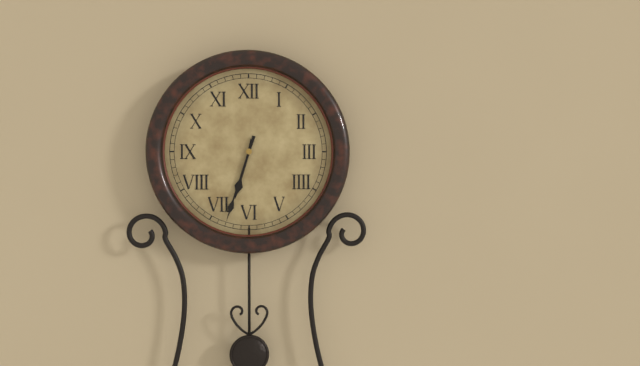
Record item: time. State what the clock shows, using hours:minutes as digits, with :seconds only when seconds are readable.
6:33
